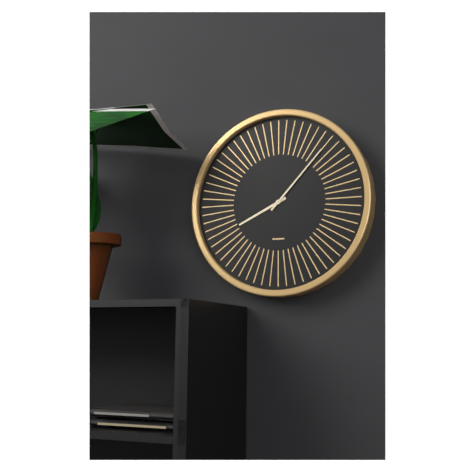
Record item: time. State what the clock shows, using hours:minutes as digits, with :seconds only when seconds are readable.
8:07
